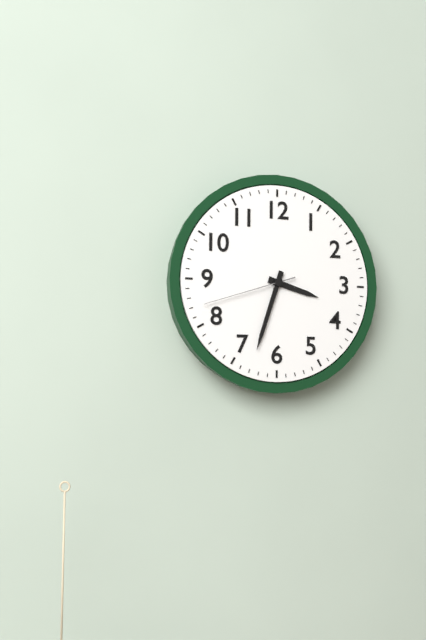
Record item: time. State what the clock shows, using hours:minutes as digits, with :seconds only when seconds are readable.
3:33:42
